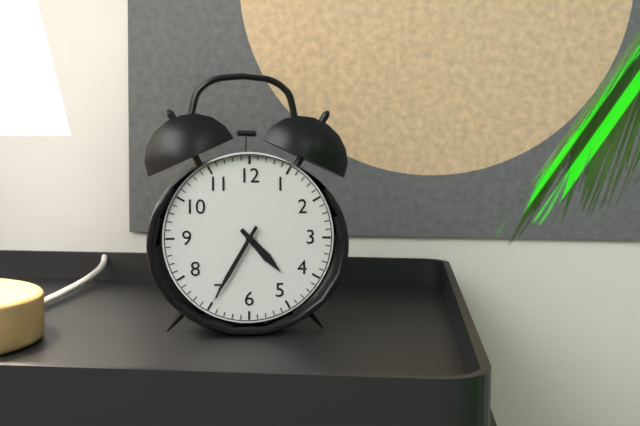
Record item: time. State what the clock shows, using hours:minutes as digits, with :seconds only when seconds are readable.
4:35
